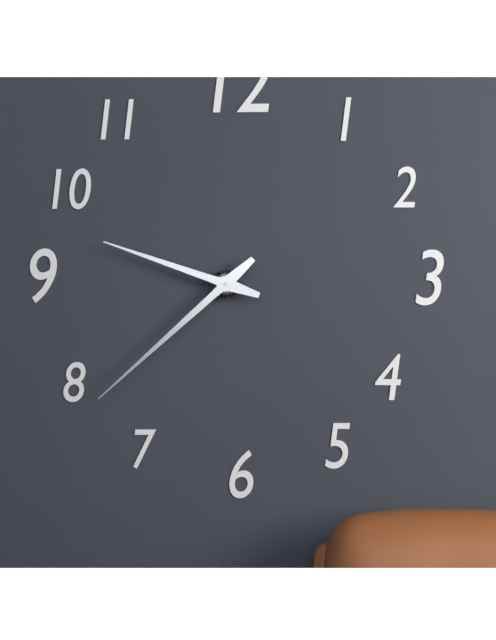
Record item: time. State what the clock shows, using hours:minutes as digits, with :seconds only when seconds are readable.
9:38
